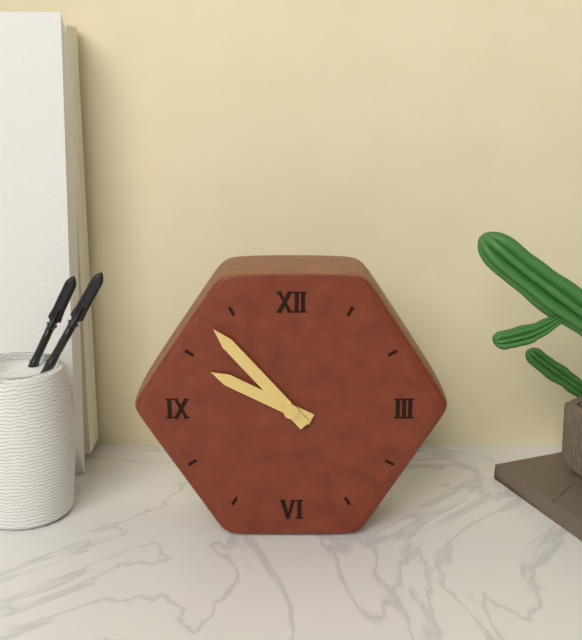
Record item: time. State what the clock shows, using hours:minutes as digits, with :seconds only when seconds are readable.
9:53
